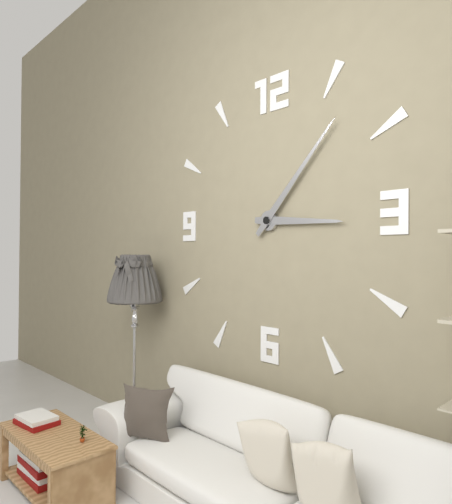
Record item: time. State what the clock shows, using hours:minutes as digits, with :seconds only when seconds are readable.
3:07
